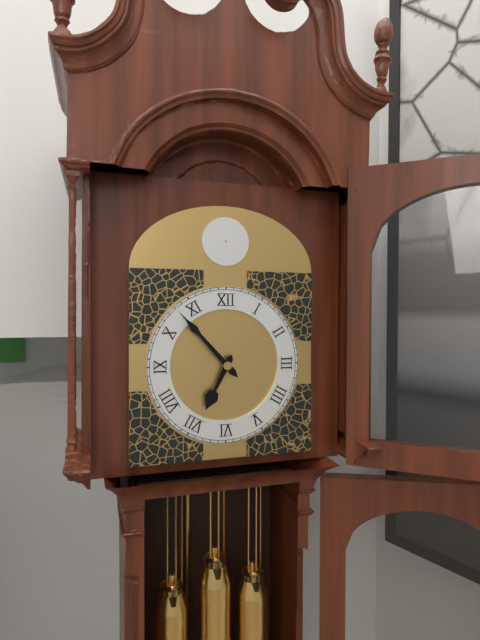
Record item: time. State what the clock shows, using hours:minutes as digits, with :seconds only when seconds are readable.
6:53
